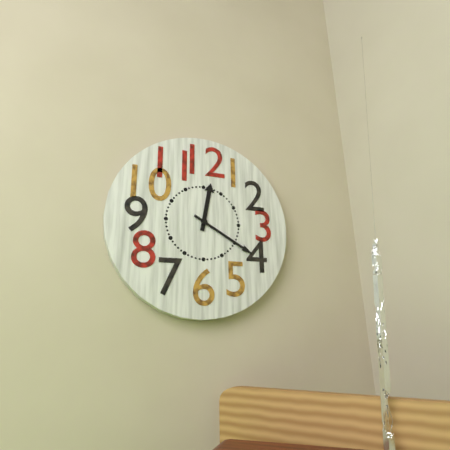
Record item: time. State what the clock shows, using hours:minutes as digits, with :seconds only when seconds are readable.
12:20
